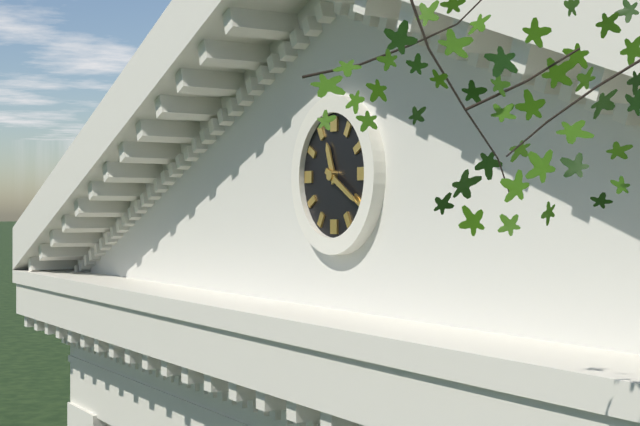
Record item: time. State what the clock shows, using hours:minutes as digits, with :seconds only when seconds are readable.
11:20
